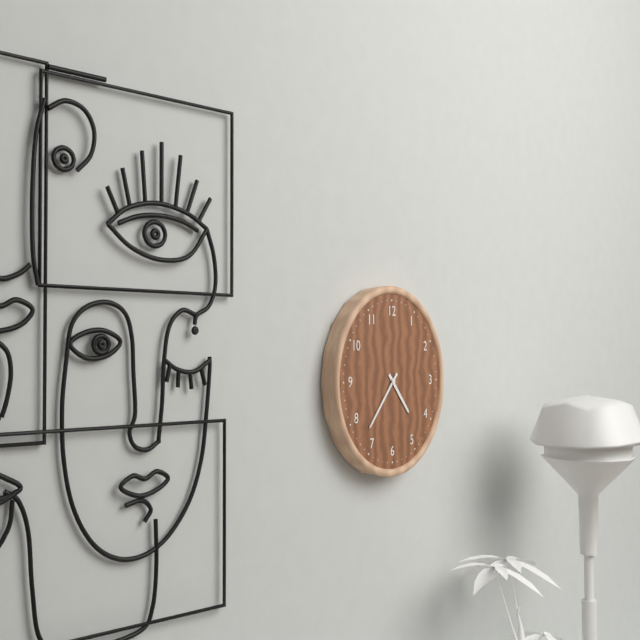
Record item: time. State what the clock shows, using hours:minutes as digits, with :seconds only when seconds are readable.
4:37
